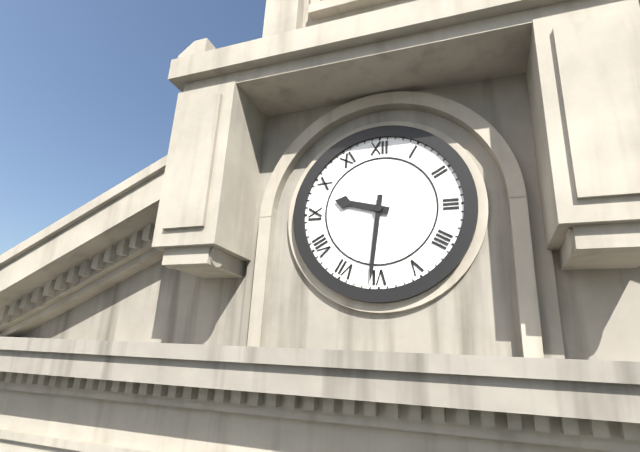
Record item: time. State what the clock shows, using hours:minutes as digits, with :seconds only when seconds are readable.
9:31
